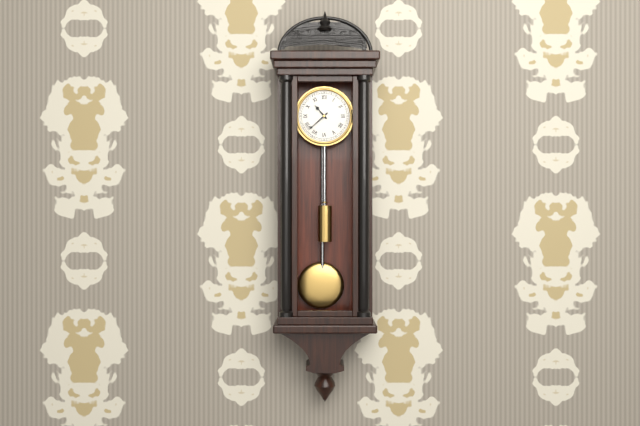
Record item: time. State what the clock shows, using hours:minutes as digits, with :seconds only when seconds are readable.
10:38
